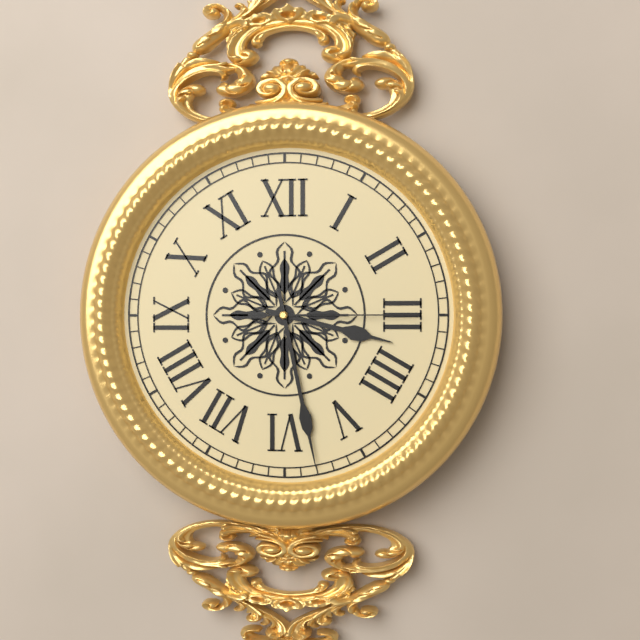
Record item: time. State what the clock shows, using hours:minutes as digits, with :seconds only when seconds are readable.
3:28:15
